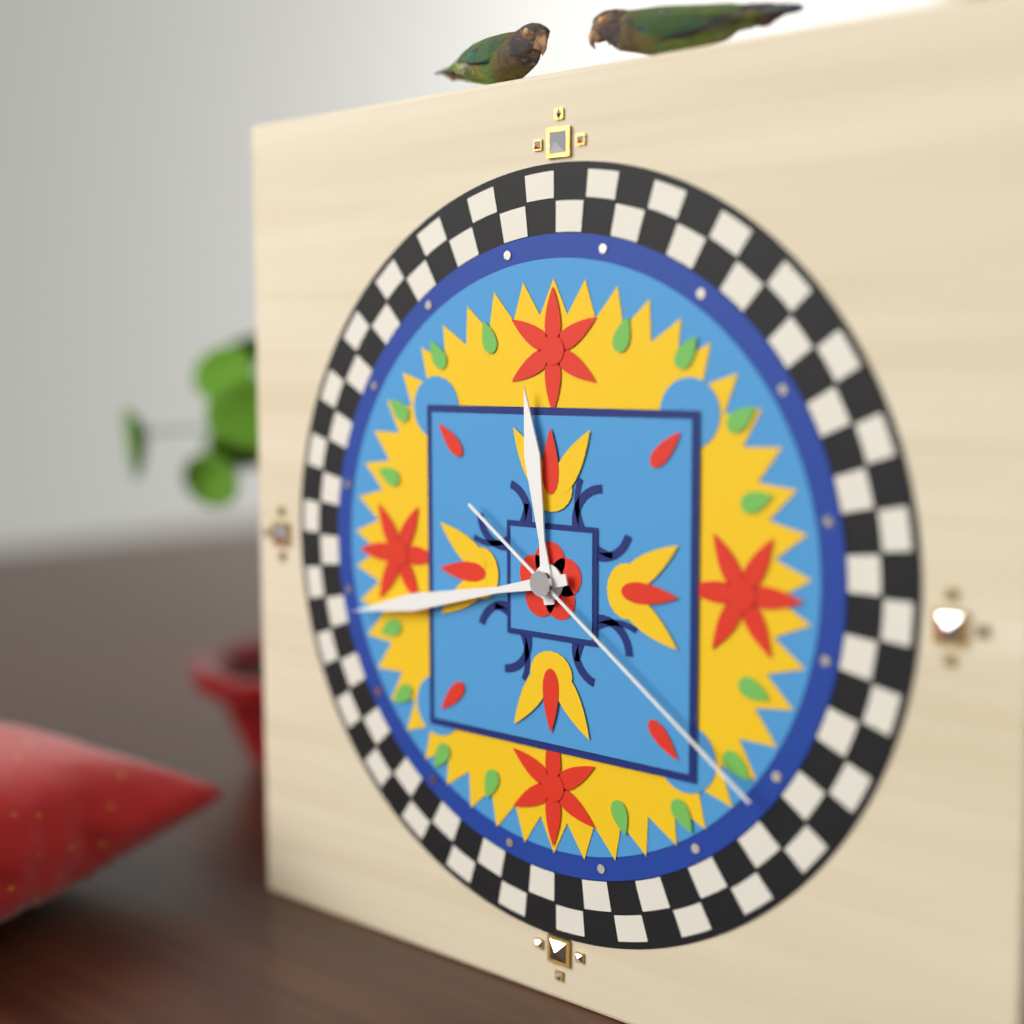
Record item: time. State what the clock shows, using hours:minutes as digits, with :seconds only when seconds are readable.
11:43:21
